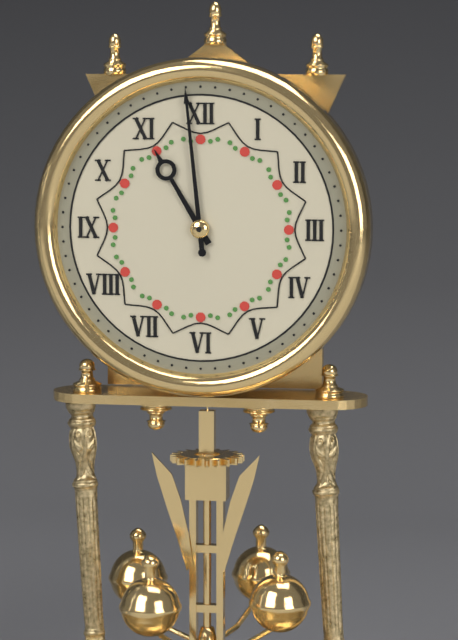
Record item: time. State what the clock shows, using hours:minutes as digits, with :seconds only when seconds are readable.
10:59
